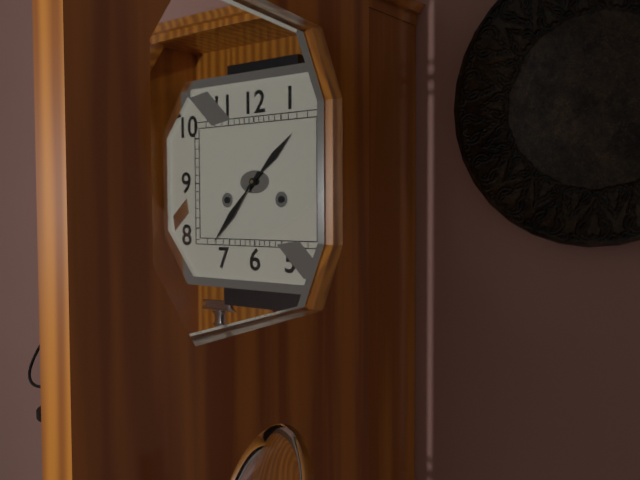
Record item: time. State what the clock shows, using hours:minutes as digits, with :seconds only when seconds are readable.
1:37
